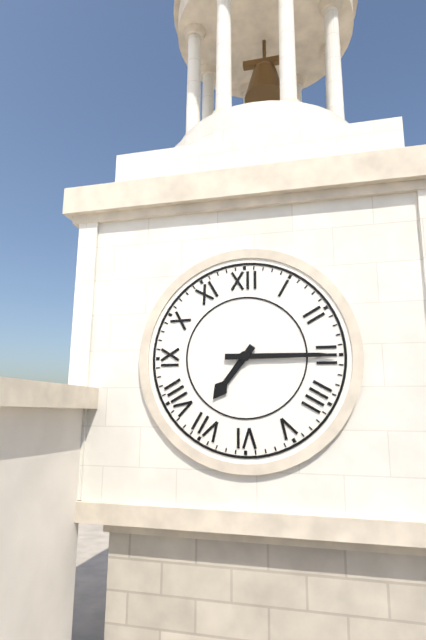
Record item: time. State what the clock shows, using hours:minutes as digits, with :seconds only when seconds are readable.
7:15
